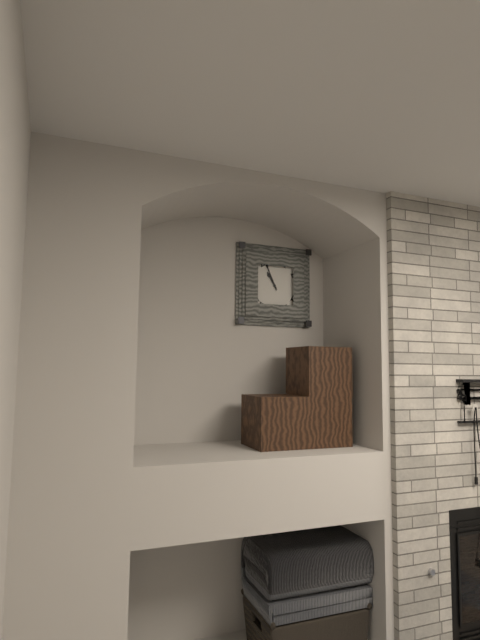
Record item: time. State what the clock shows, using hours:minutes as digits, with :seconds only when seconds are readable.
10:56
